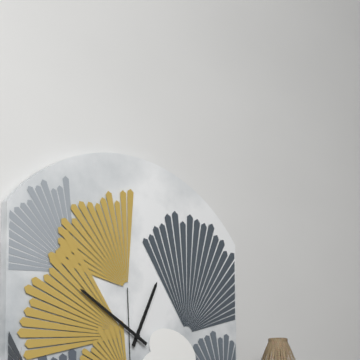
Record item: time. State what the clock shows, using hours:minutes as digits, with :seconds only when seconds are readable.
12:50
